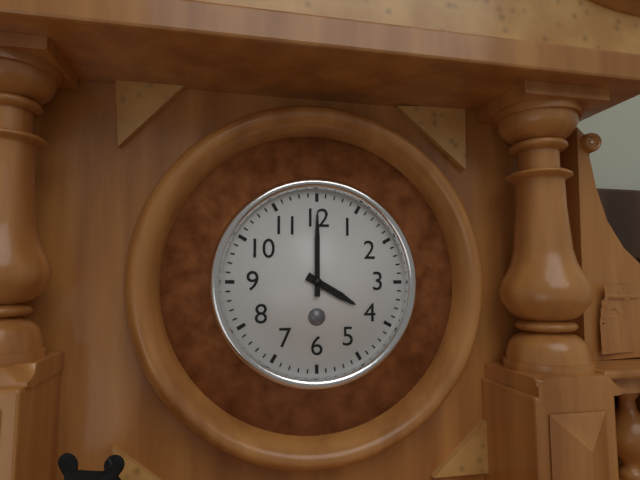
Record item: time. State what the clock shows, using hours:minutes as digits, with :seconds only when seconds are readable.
4:00
